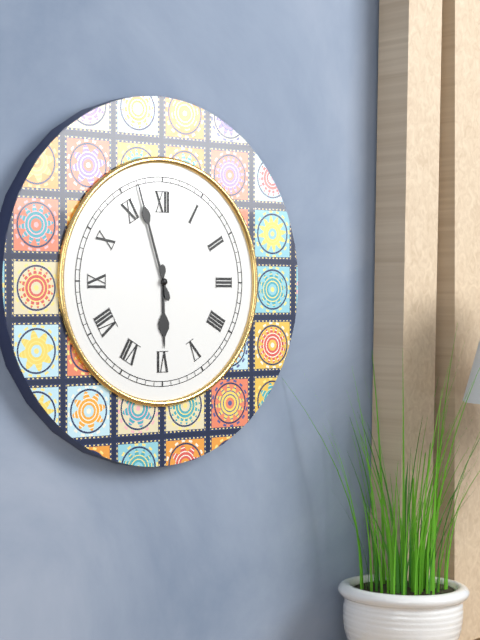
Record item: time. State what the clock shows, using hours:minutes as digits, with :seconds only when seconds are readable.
5:57
